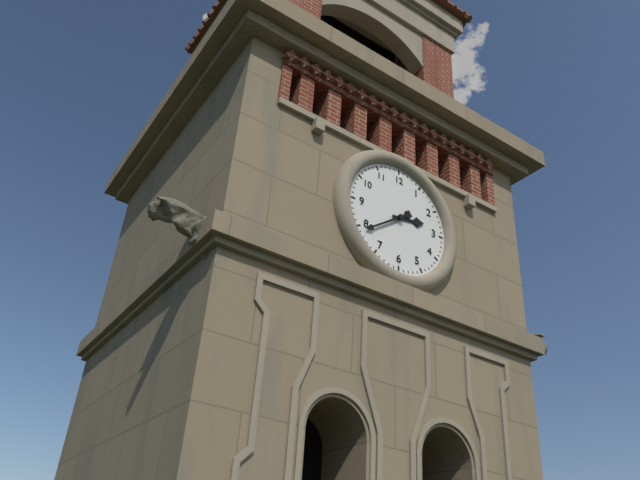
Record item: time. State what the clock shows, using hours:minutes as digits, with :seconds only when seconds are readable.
2:39
